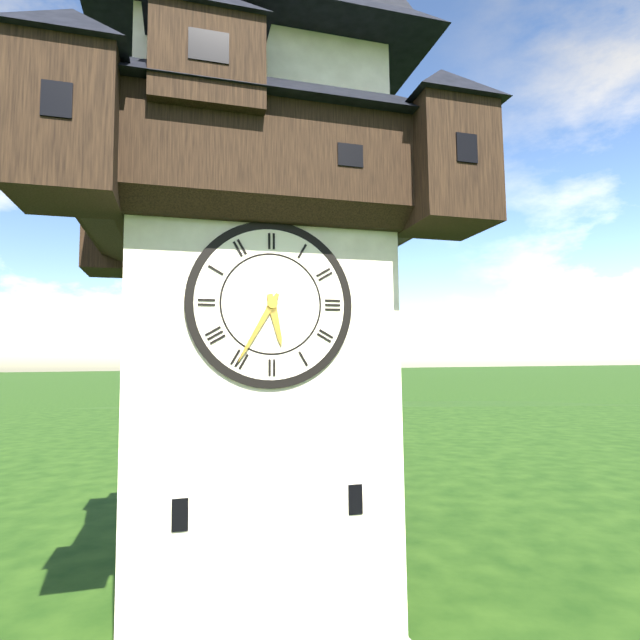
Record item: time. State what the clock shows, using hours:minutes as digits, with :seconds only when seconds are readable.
5:35
